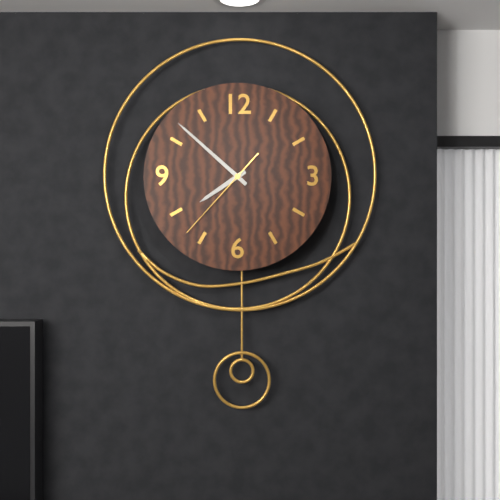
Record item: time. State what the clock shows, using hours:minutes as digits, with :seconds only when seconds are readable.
7:52:37
